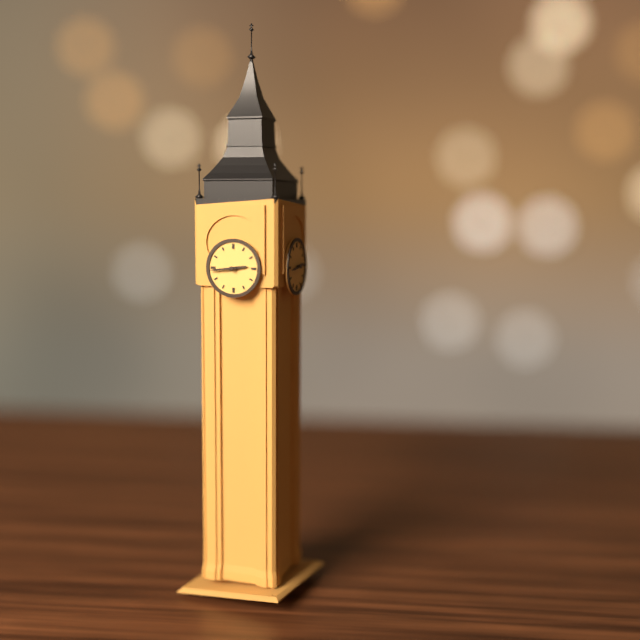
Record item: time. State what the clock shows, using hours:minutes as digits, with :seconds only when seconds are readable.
2:44
